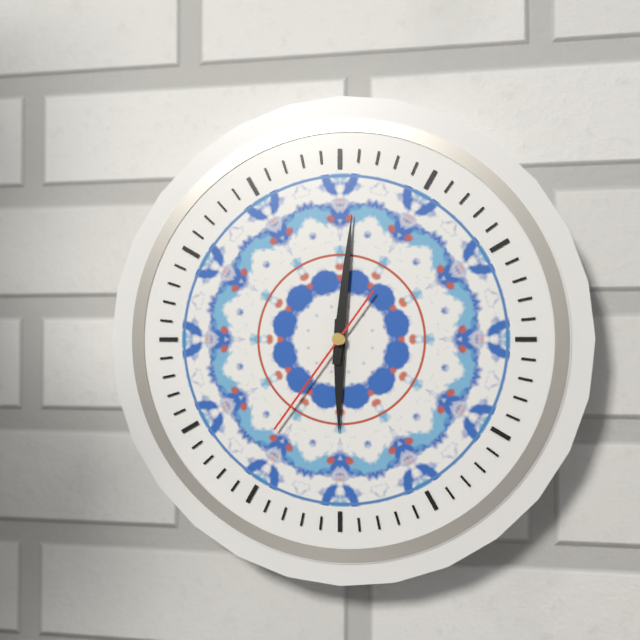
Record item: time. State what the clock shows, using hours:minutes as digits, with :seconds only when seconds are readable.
6:01:36
